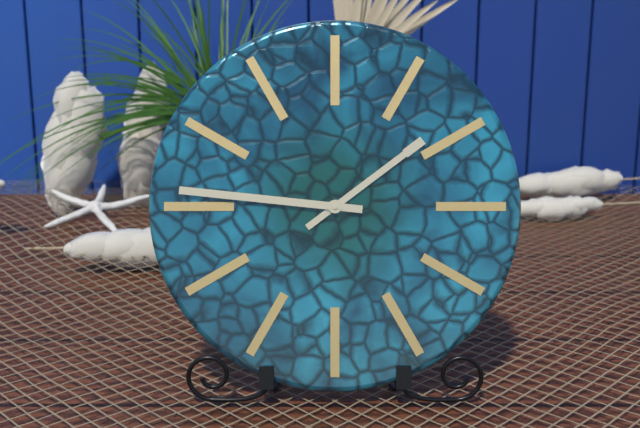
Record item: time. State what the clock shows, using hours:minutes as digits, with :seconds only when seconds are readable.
1:46
